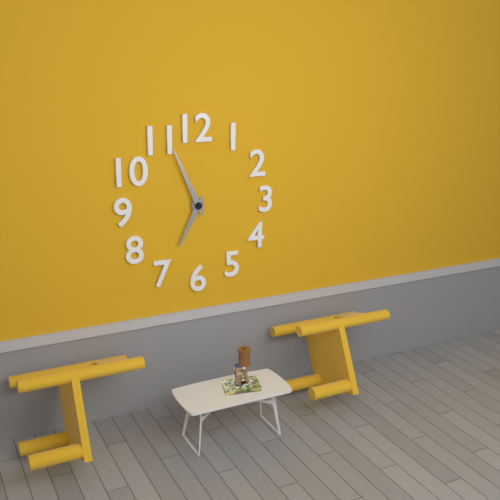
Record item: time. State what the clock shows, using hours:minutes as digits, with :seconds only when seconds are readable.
6:56
